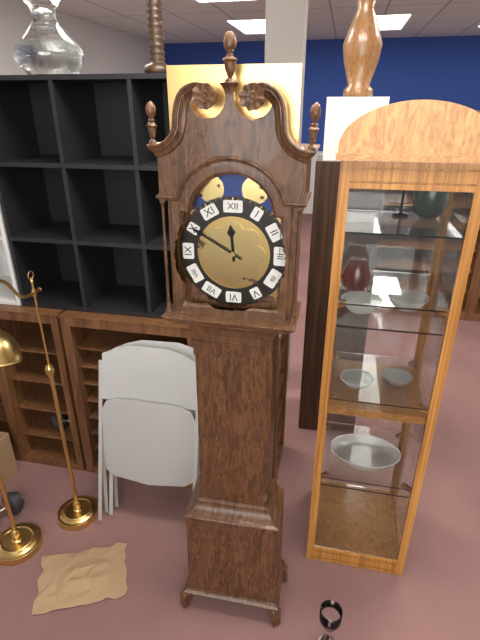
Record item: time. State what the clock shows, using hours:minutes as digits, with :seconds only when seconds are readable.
11:50
